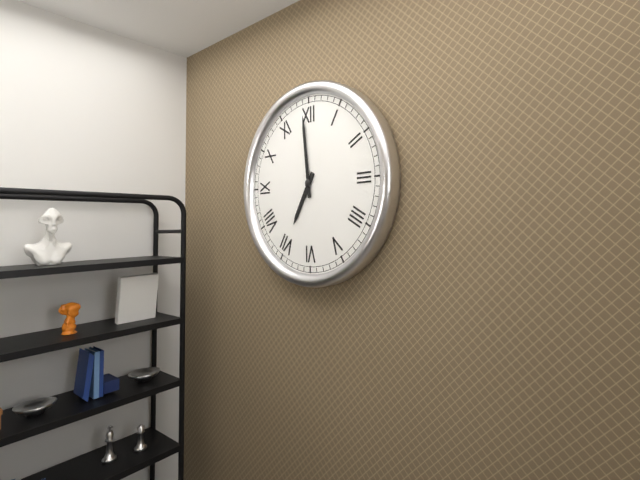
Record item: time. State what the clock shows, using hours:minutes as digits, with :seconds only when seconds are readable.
6:59
